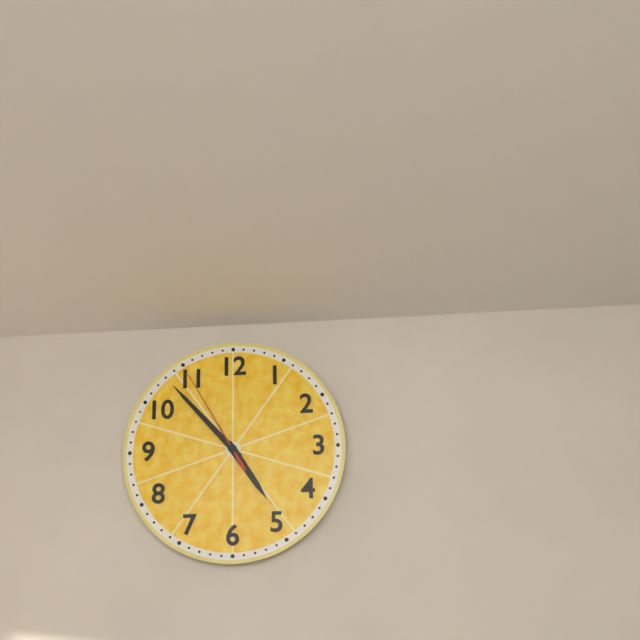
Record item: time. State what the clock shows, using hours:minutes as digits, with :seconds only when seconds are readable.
4:53:55
